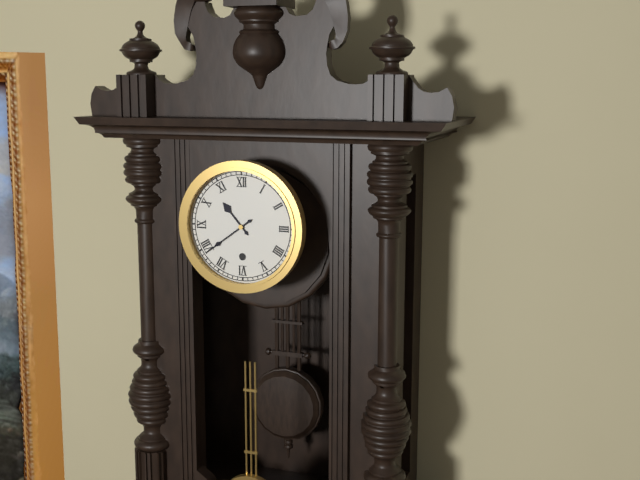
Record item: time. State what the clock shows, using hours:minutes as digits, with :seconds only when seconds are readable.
10:39
